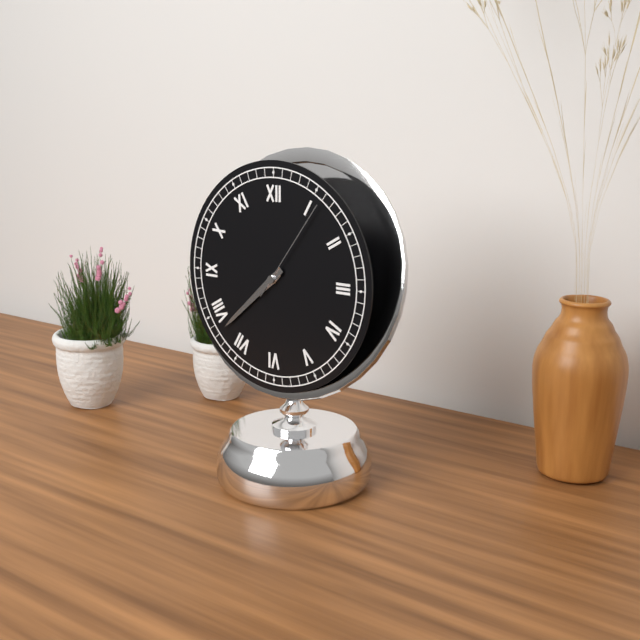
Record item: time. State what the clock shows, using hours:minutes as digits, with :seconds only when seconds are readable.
7:38:06
